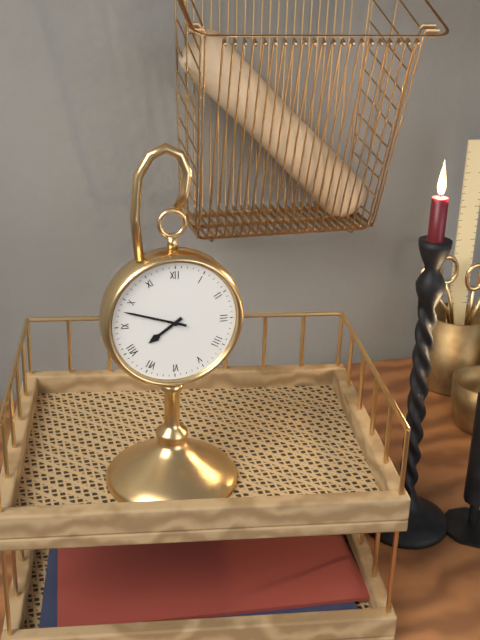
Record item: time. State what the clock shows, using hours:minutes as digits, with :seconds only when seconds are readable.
7:48
